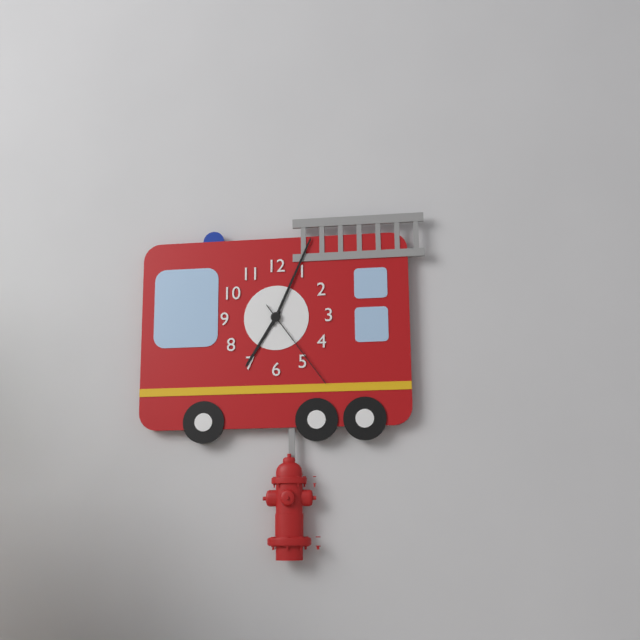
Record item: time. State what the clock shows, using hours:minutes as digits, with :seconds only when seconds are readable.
7:04:24
